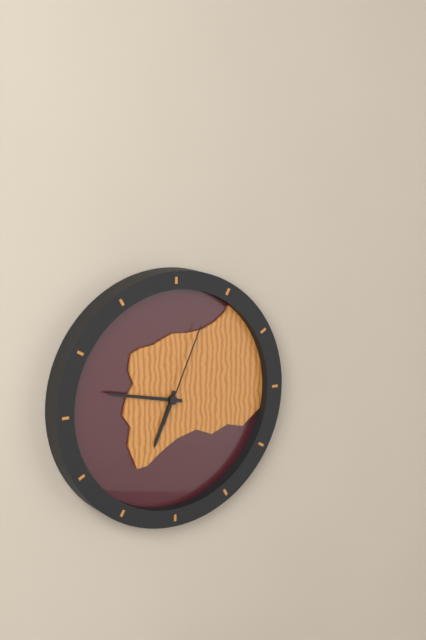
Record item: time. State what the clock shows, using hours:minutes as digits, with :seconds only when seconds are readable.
6:47:04
